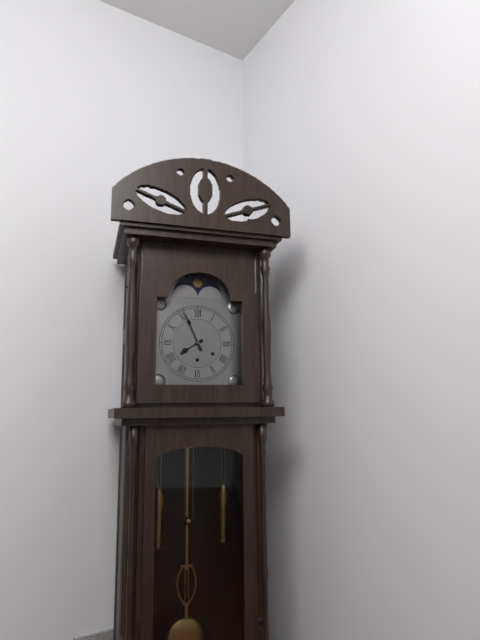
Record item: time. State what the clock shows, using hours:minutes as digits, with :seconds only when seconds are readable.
7:56
